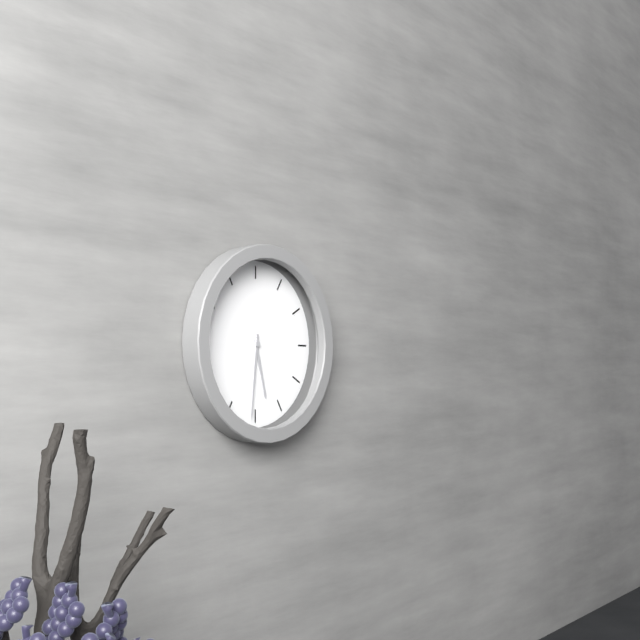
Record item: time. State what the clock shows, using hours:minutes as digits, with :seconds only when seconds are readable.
5:31
